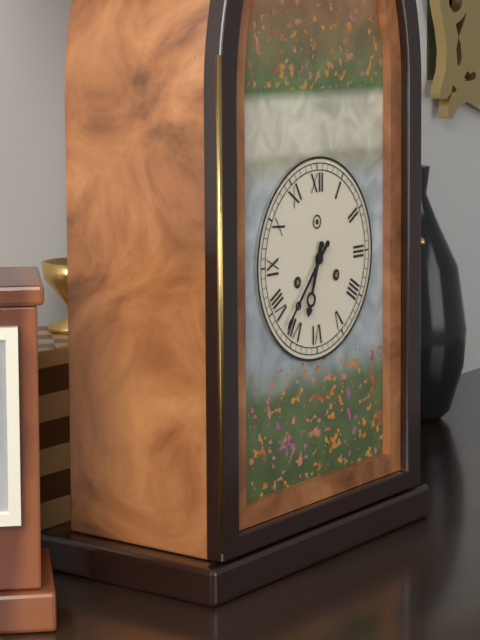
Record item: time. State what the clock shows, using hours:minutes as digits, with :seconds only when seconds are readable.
6:37
